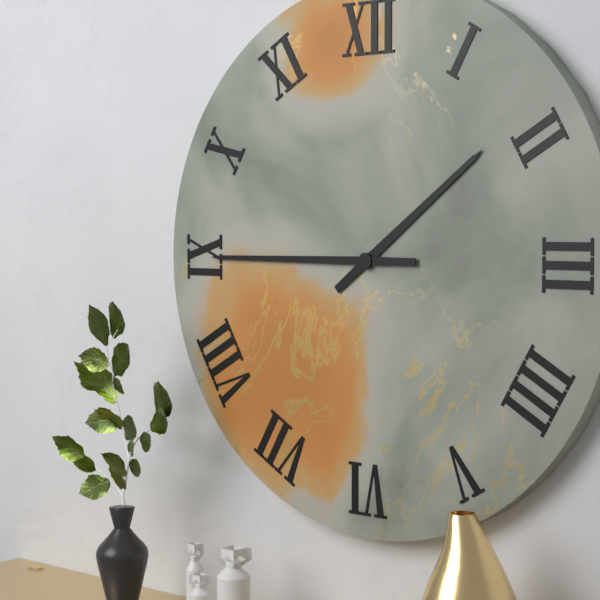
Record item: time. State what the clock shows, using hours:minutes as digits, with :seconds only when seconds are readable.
1:45
